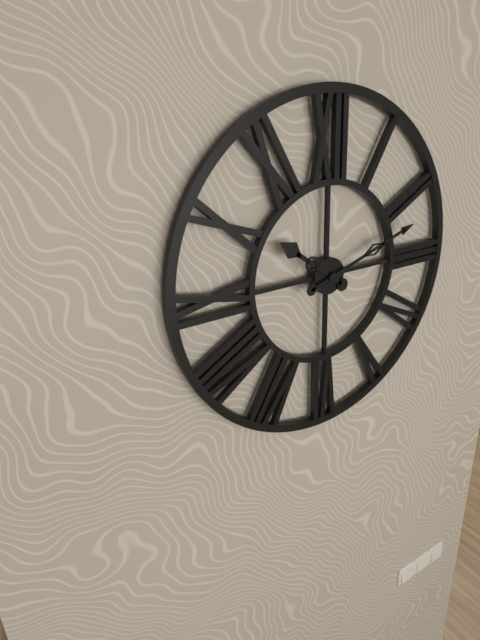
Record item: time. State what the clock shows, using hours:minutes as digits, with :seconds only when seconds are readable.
10:12
